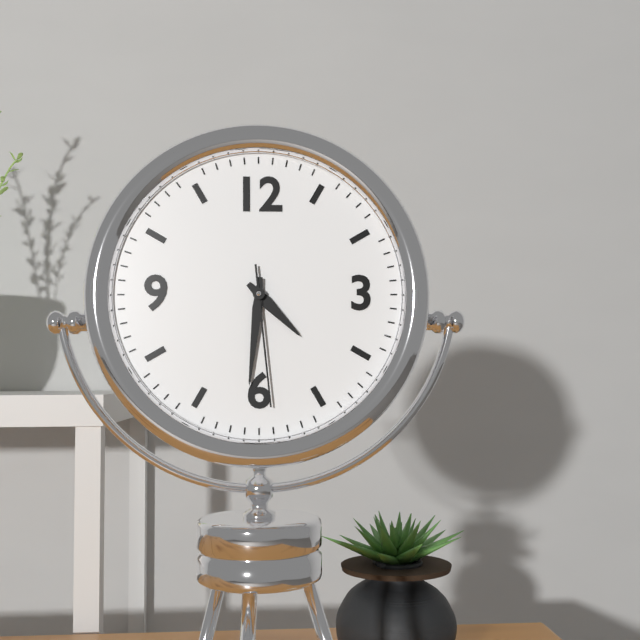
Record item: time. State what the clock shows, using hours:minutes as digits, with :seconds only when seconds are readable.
4:31:29
